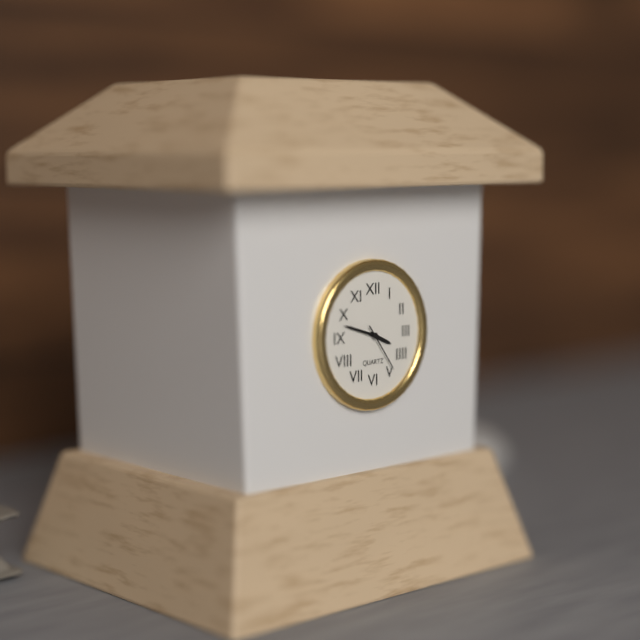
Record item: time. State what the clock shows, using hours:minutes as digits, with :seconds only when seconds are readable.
3:48:24
